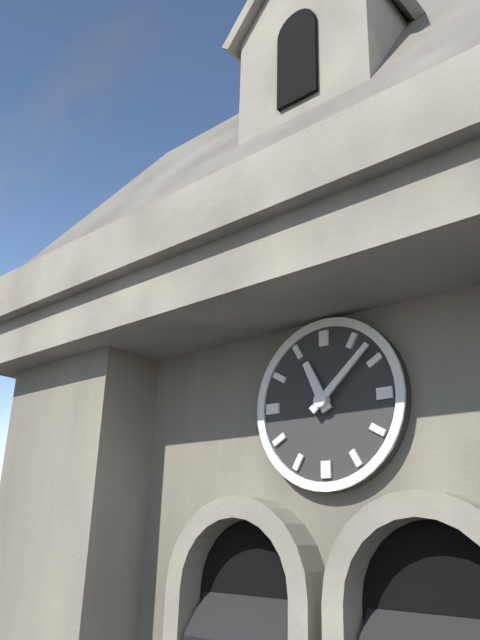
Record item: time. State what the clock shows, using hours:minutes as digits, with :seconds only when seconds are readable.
11:08
